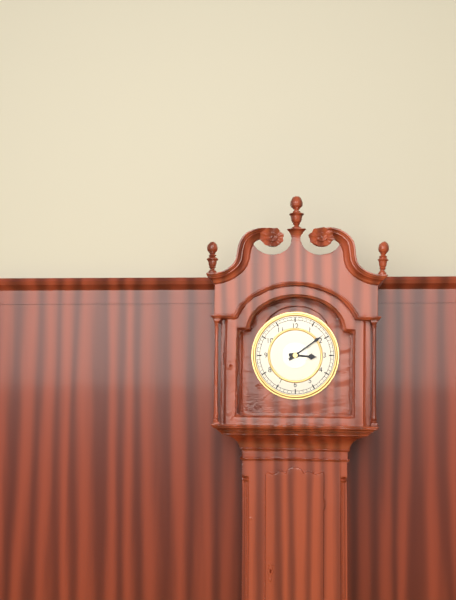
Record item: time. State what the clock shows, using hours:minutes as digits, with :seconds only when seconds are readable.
3:09
